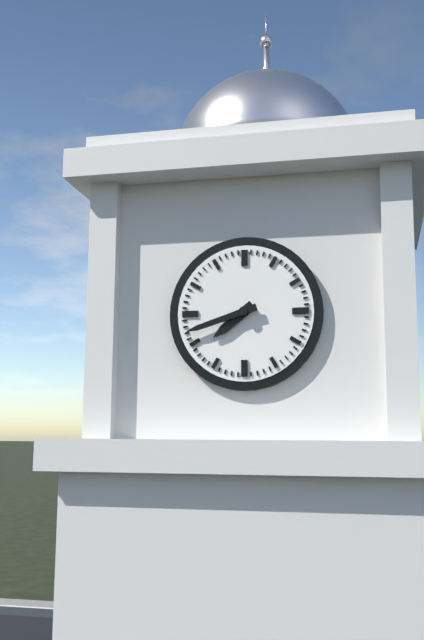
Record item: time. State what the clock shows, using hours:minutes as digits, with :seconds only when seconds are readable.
7:42
